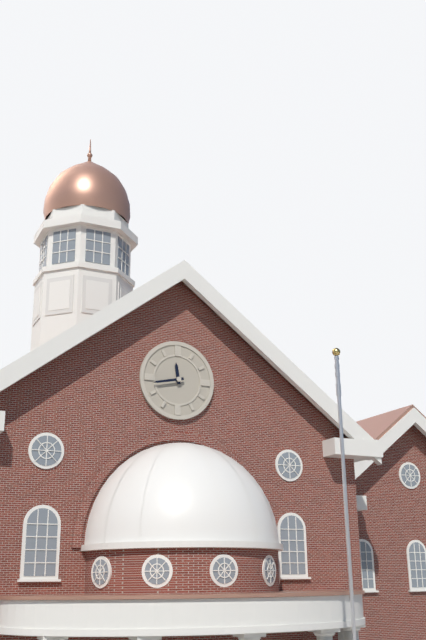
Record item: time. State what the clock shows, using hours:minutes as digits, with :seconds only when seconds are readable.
11:43
